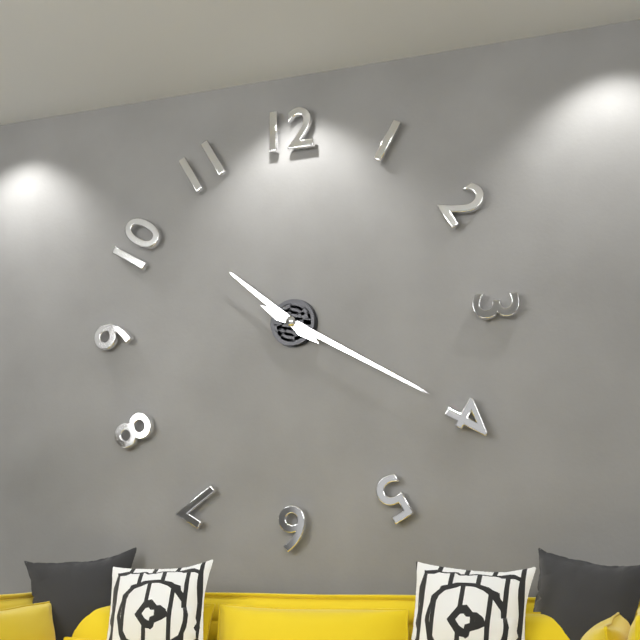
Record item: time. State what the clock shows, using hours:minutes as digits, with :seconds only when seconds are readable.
10:20
